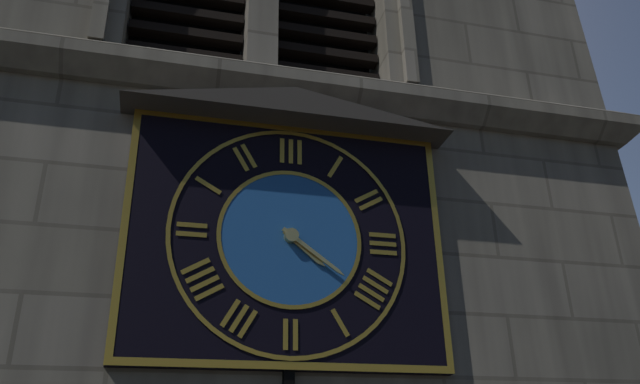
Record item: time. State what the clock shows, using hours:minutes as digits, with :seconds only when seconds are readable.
4:21
